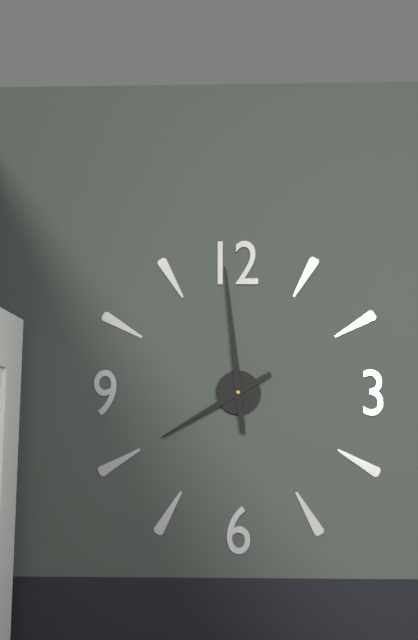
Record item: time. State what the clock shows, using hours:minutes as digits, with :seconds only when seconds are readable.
7:59
